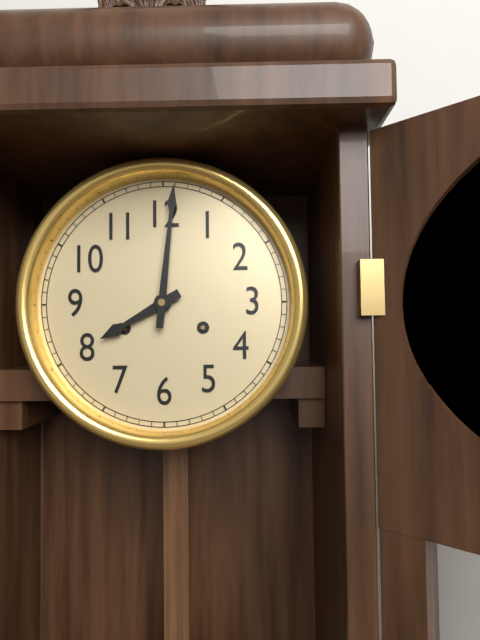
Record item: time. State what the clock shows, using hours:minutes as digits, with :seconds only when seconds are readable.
8:01
